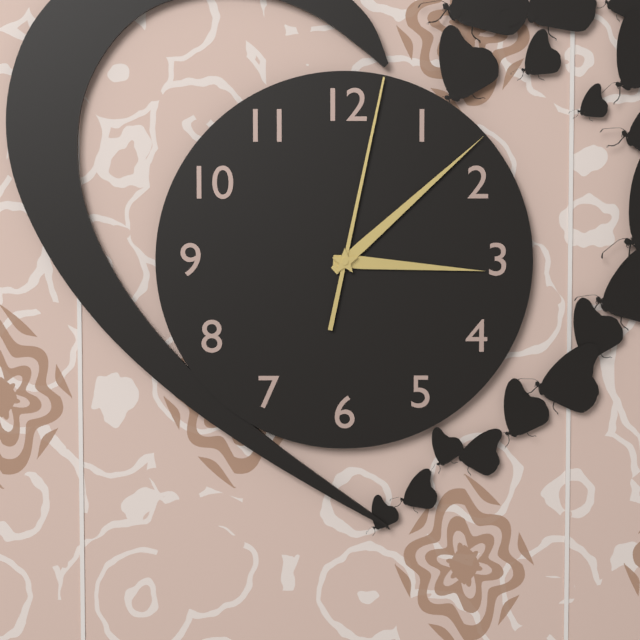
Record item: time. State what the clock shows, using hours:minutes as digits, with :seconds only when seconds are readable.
3:08:02
